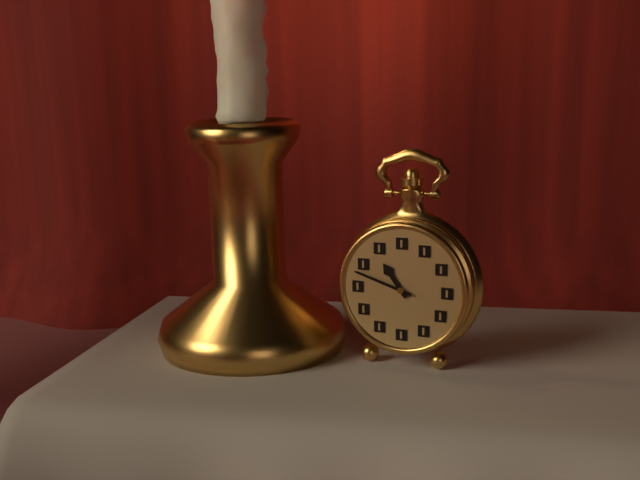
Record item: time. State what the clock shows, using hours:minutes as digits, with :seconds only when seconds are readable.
10:48
